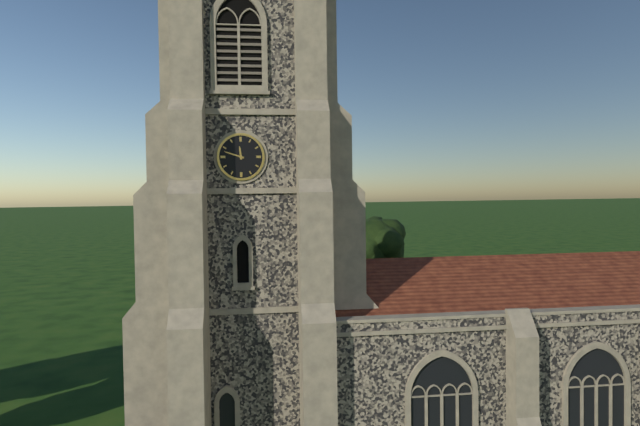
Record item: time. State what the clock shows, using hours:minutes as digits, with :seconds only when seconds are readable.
11:48
